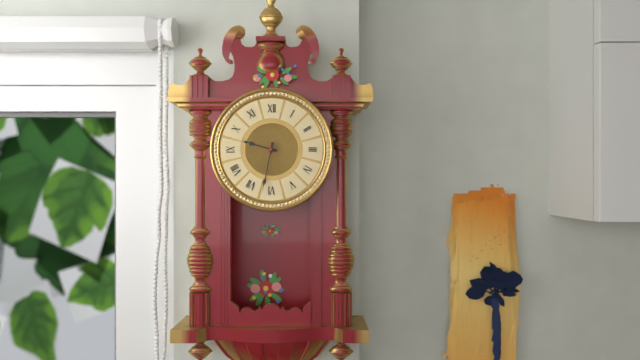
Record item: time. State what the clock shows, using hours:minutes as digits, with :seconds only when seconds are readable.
9:32
